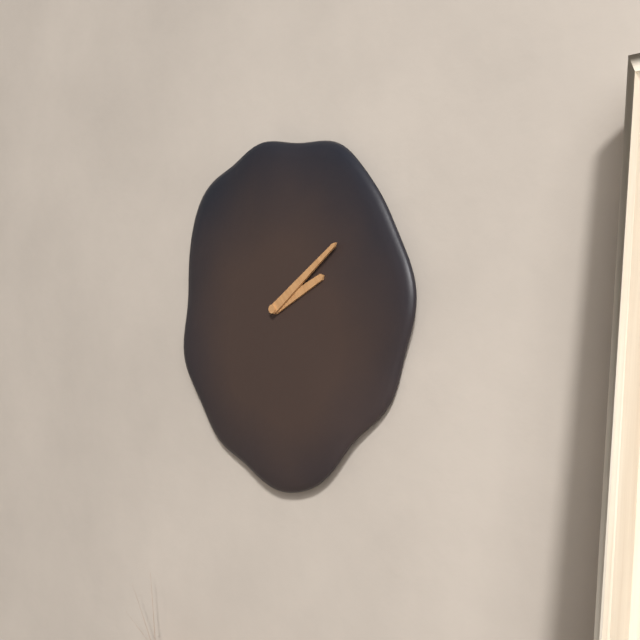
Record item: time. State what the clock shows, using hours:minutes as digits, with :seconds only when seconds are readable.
2:09
